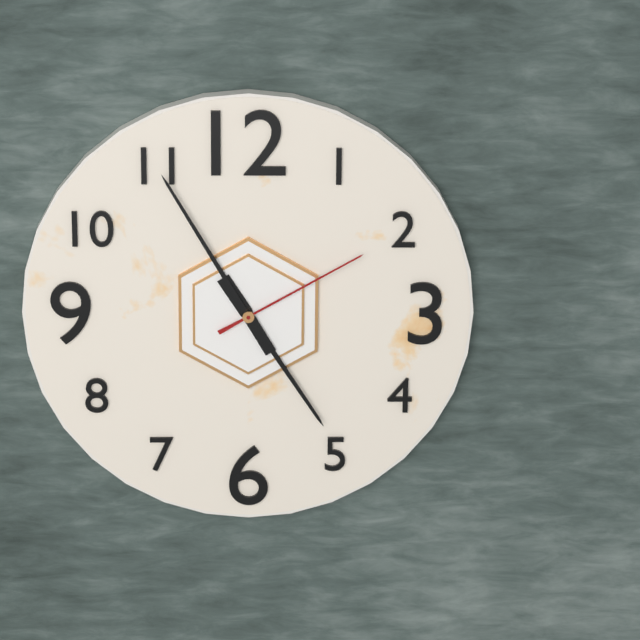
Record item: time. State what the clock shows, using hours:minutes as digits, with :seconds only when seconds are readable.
4:55:10
